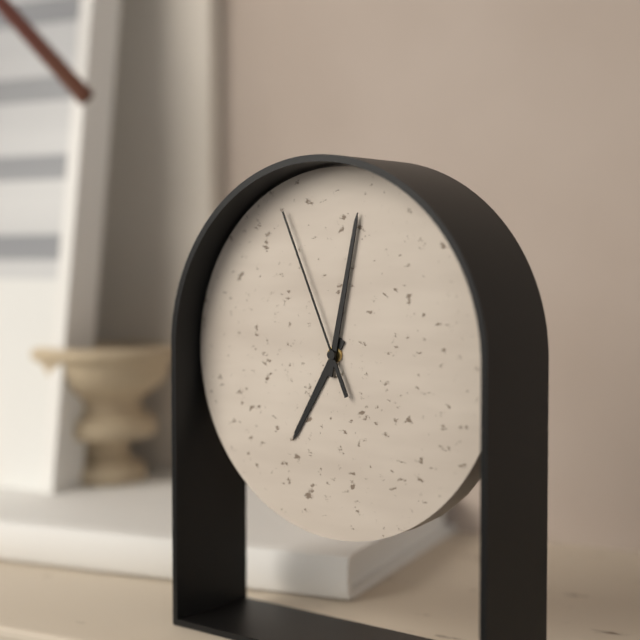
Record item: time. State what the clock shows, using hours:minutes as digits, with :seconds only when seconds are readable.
7:02:56
